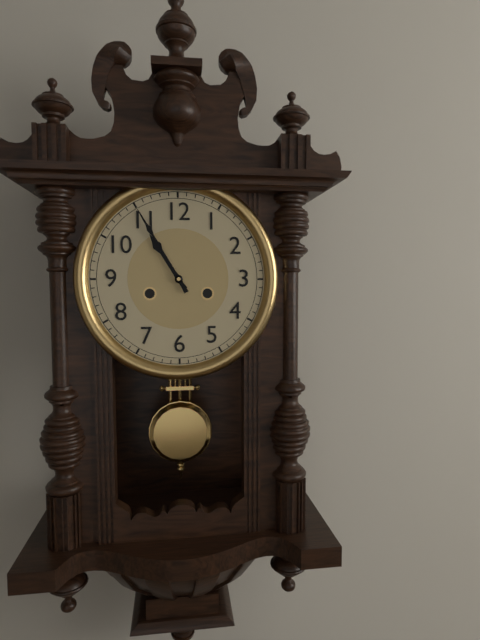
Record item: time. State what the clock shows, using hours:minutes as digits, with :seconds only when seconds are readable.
10:55
